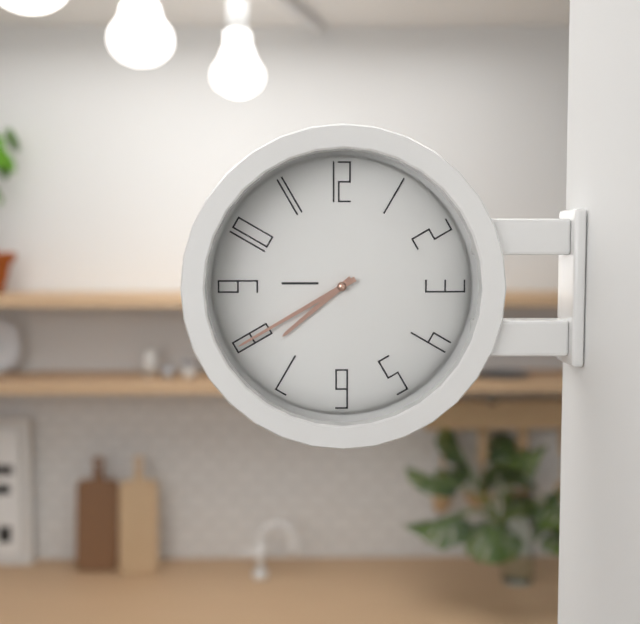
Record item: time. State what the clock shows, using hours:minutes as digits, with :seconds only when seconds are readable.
7:40
